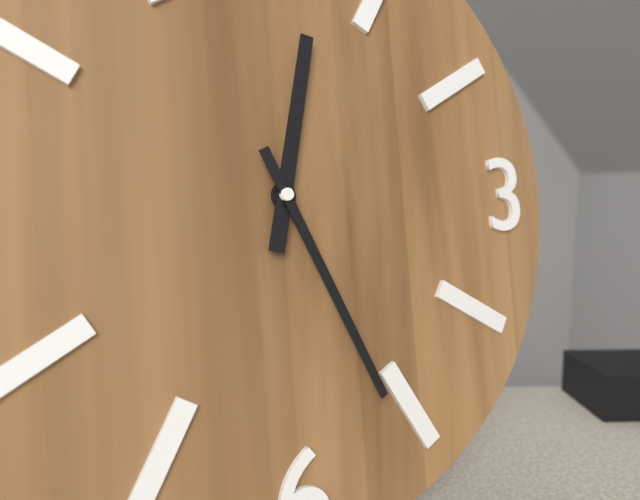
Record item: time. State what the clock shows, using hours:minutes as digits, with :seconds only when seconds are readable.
12:26
